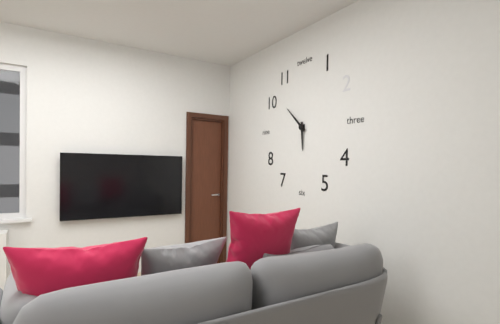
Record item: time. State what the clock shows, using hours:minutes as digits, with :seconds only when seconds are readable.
5:52
